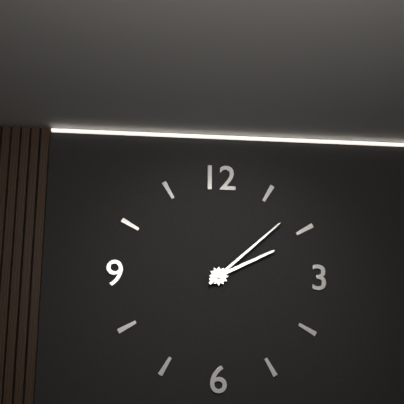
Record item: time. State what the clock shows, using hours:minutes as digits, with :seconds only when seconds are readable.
2:08
